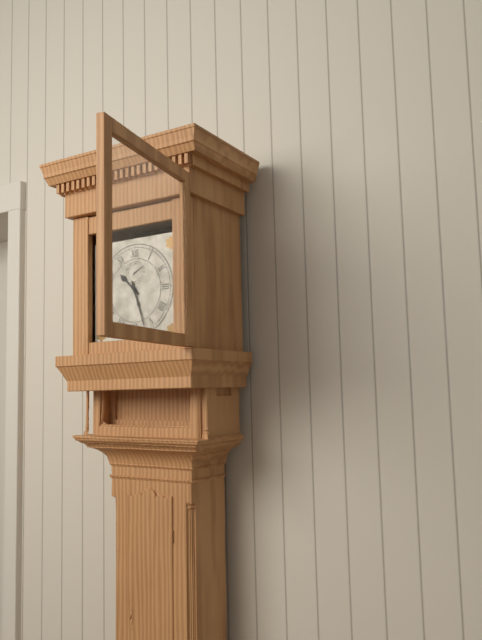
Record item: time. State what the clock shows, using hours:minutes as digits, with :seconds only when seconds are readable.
10:27
